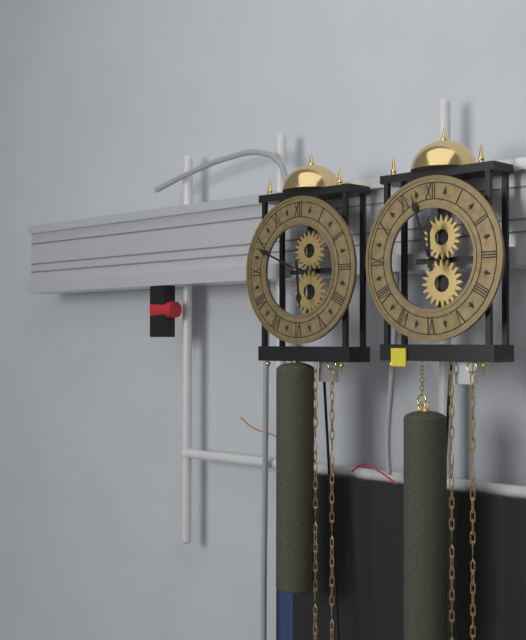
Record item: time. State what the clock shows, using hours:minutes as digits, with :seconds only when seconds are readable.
5:49
